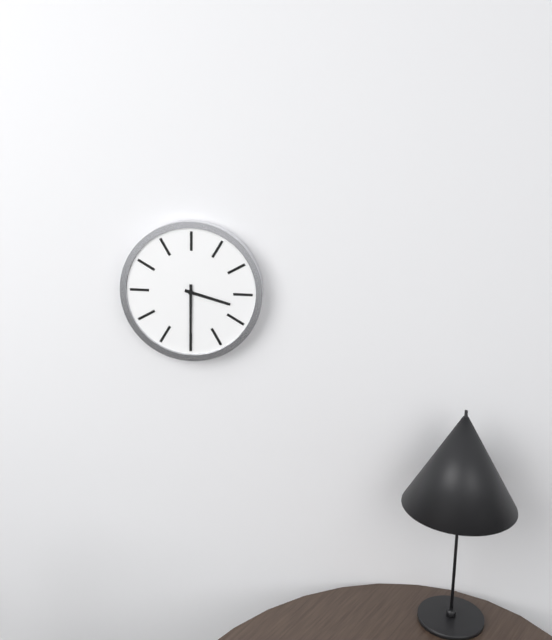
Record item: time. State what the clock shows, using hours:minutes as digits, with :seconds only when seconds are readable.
3:30
